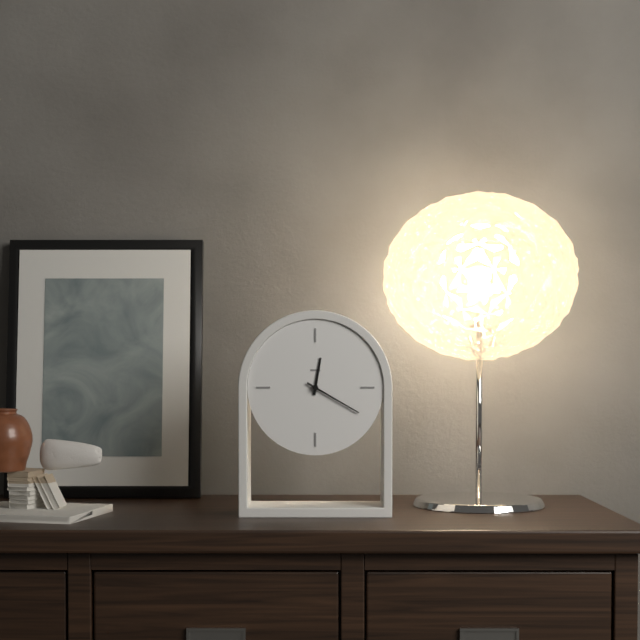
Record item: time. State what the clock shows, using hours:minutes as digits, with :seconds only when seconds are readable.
12:20
